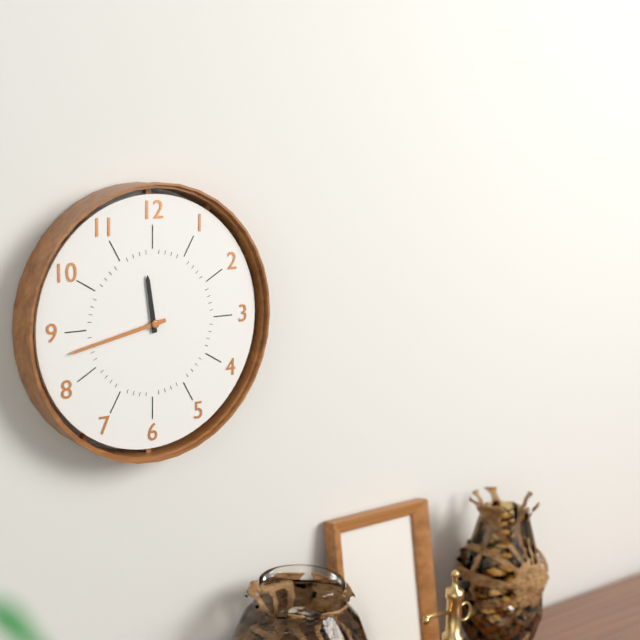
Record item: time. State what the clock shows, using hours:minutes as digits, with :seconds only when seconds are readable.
11:43
